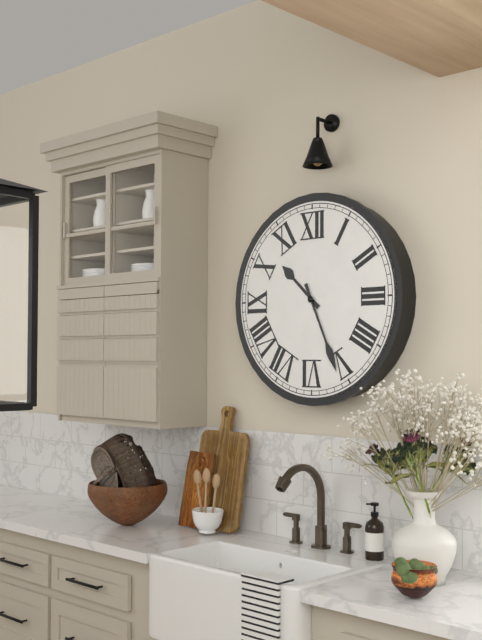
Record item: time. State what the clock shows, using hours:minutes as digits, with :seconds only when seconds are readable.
10:26
